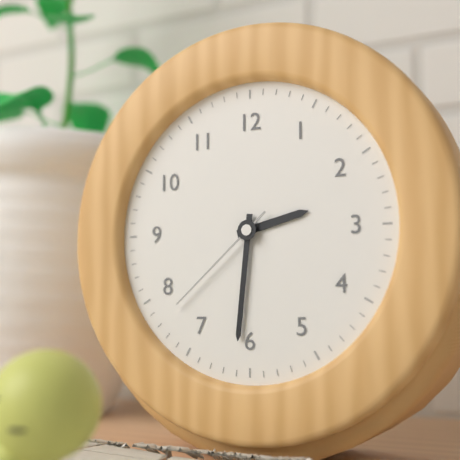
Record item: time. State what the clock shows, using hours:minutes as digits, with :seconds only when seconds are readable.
2:31:38
